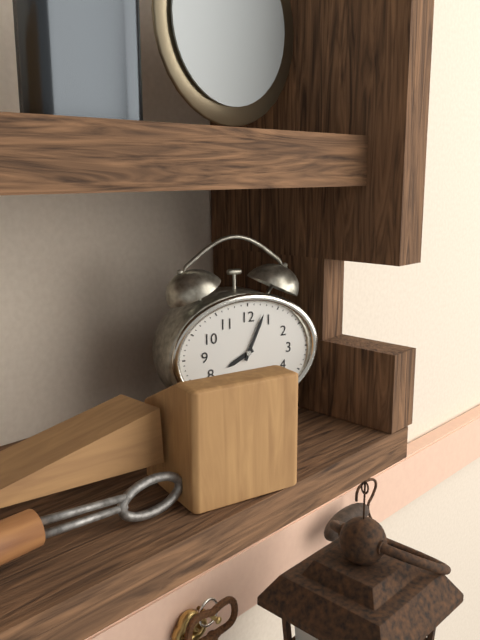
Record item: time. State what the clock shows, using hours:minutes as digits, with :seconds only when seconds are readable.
8:04
